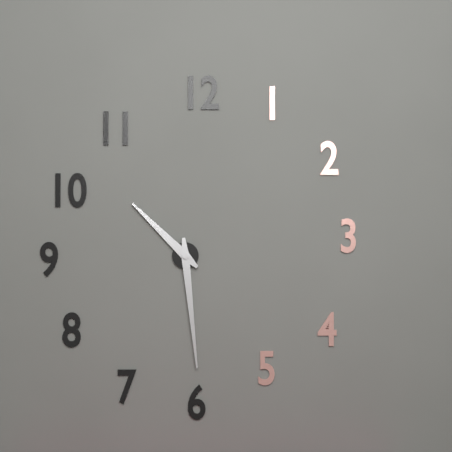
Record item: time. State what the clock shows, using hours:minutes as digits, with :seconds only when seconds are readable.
10:29
